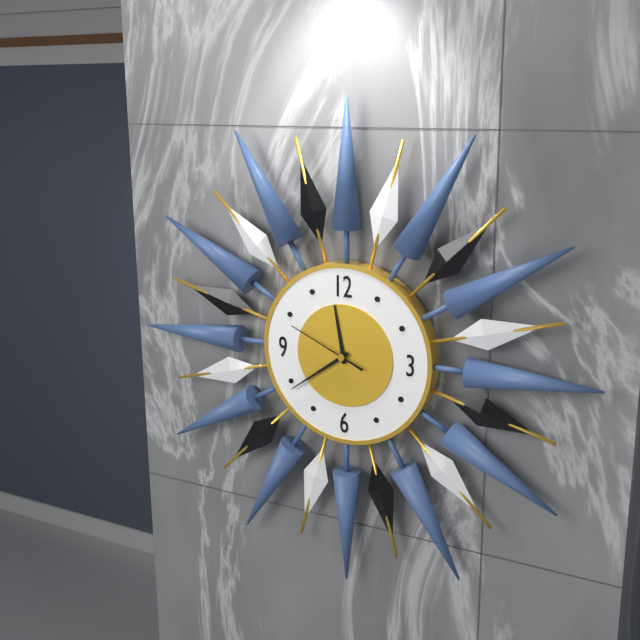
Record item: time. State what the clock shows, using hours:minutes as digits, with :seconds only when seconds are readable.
11:39:49
